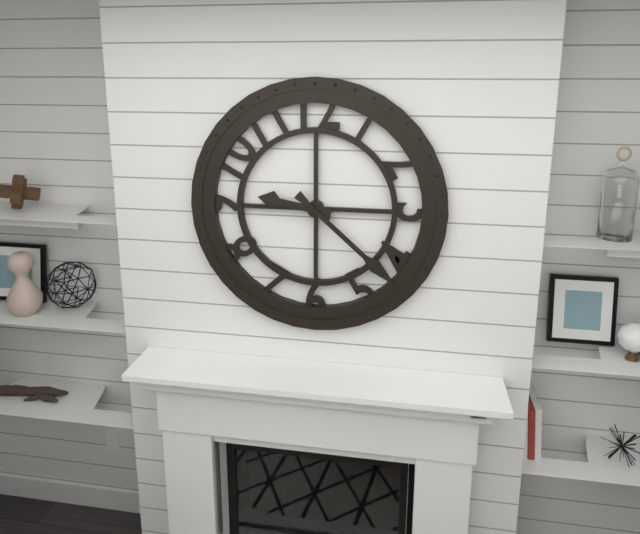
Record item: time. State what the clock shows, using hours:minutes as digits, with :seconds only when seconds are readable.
9:22
